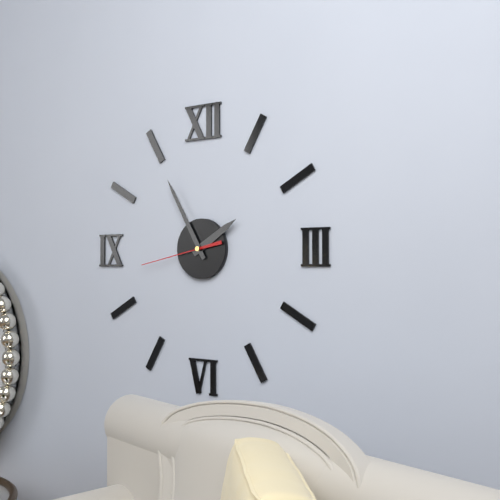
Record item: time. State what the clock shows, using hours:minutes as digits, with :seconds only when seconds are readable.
1:55:43
